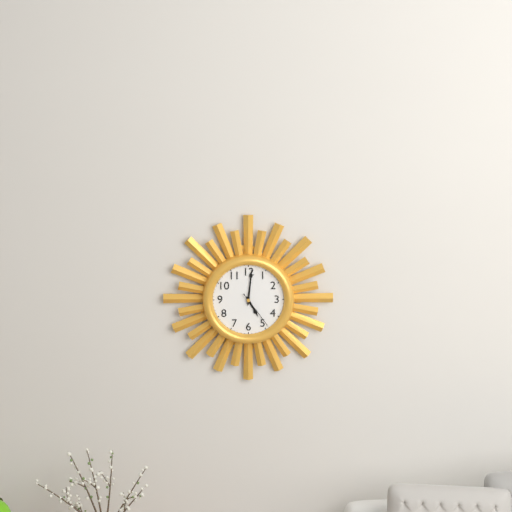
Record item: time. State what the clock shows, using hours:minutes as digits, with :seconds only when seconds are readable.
5:01
